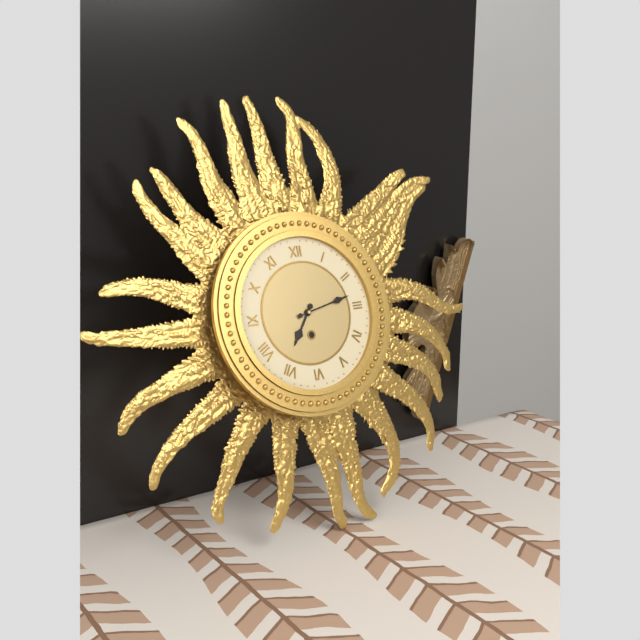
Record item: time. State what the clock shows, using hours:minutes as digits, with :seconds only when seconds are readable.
7:13
